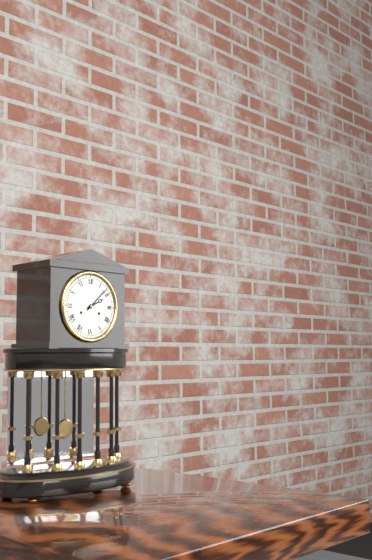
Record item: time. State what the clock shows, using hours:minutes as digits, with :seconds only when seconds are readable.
2:08
